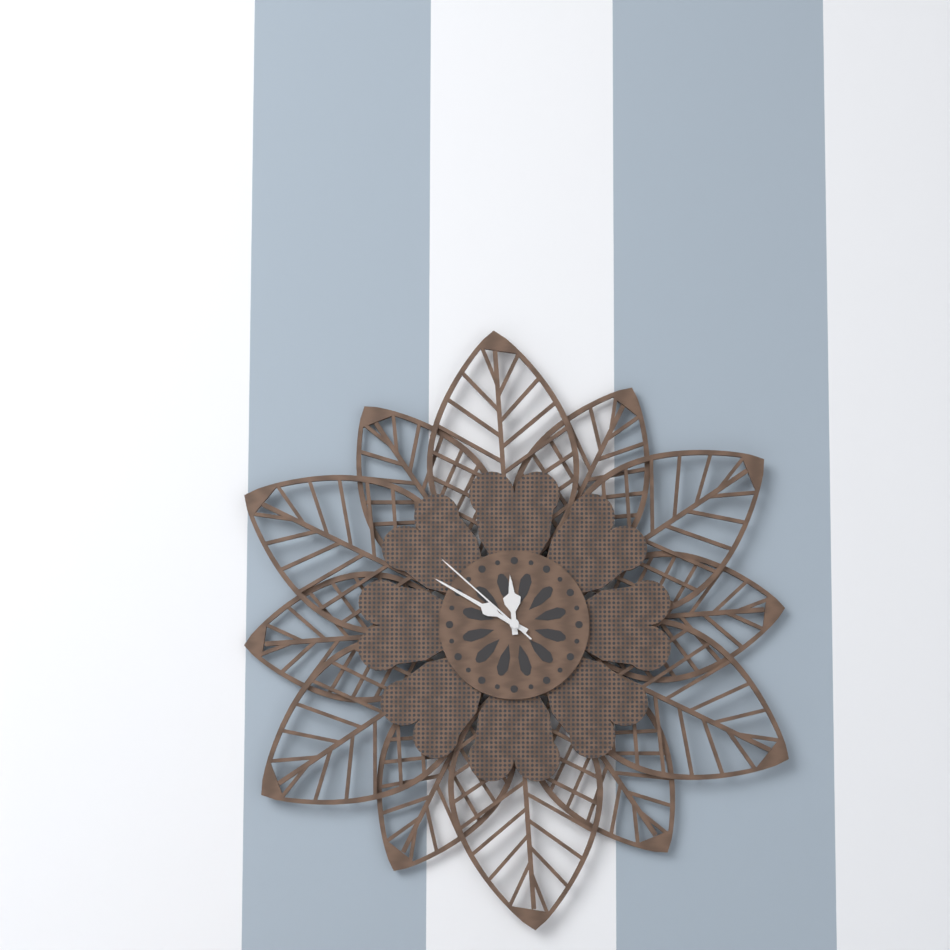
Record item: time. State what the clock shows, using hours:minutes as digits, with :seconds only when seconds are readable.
11:50:52
